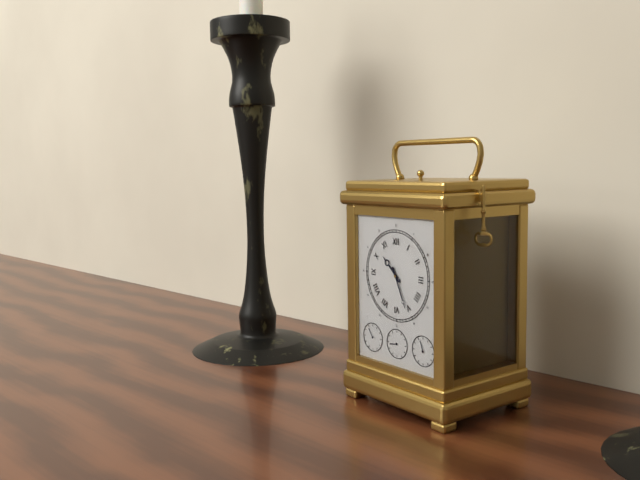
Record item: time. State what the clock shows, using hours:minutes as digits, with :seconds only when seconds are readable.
10:26
